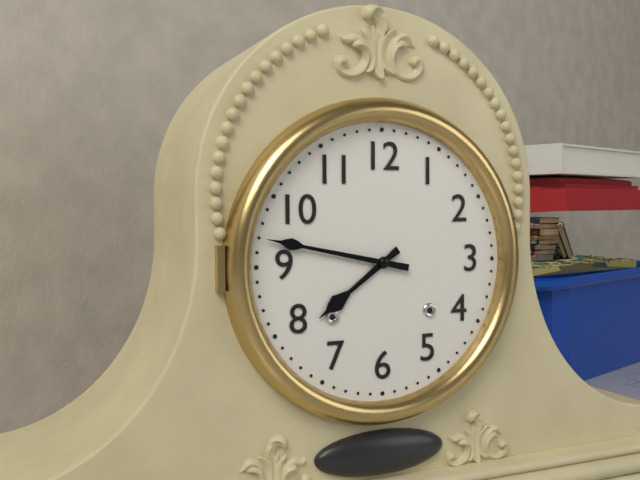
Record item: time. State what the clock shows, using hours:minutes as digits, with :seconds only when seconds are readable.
7:47
